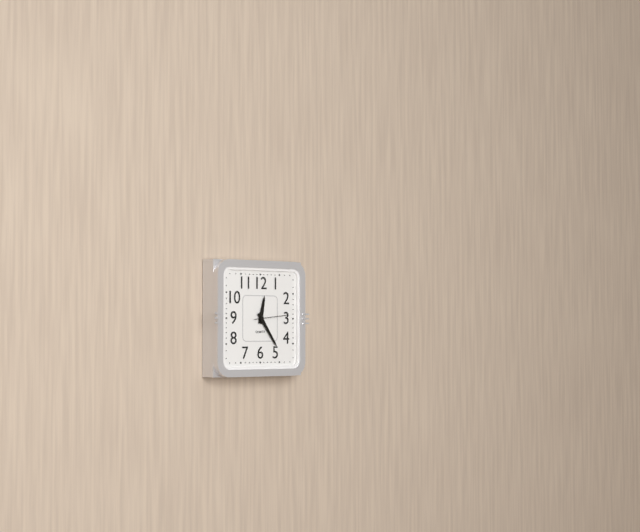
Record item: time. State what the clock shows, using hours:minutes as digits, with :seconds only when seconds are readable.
12:24:14
